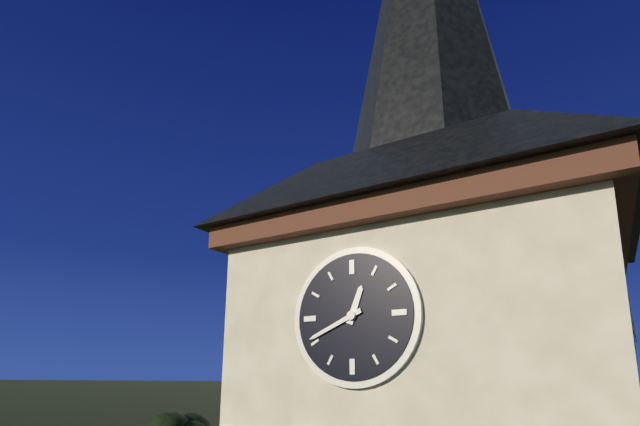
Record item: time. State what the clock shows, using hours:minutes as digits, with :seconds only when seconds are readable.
12:41
